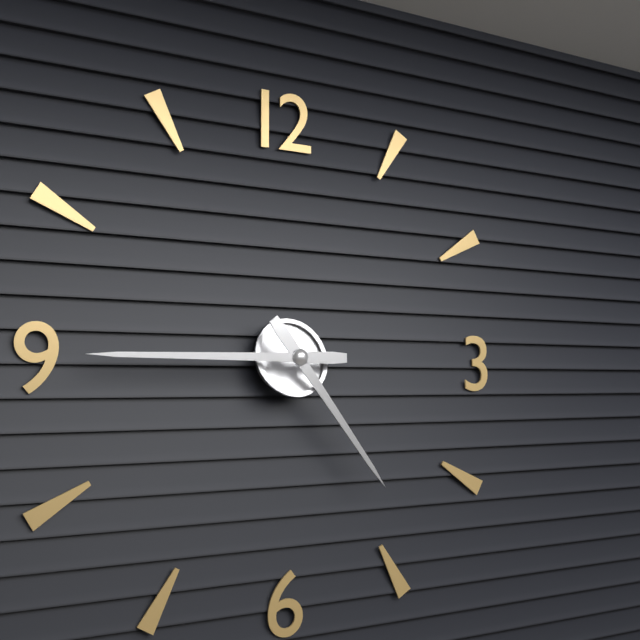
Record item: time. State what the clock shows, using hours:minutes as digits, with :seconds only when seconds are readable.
4:45
